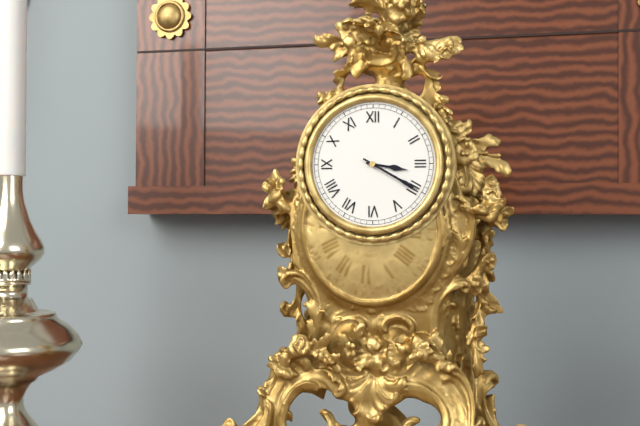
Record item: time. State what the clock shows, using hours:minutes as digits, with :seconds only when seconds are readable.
3:20
